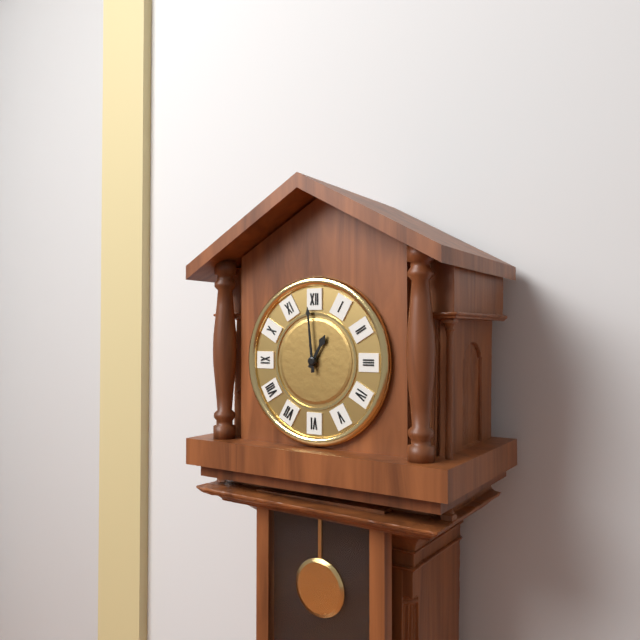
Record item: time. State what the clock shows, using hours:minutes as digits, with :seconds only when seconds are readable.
12:59
